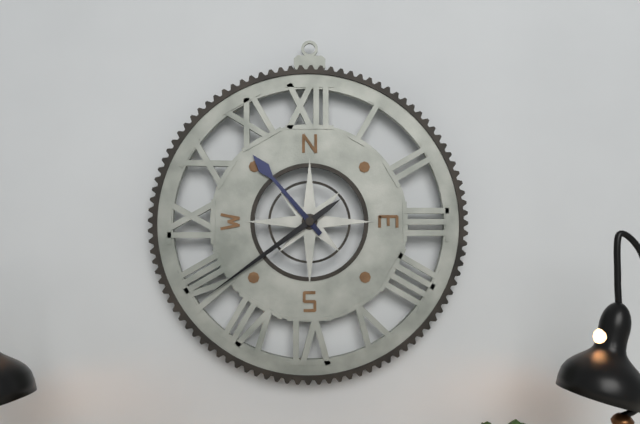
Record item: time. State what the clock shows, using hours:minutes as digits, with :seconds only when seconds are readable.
10:39
